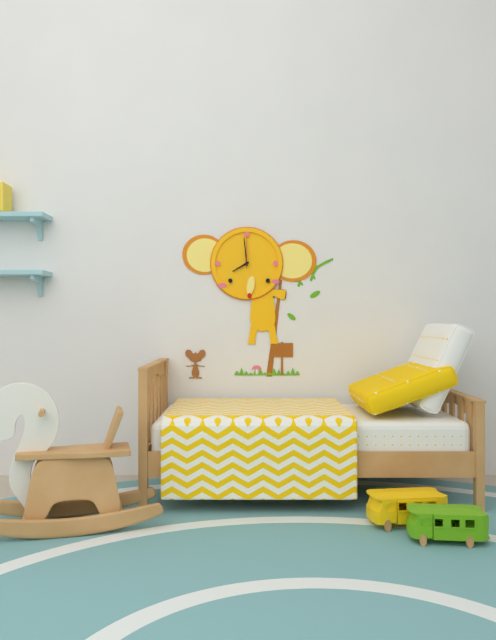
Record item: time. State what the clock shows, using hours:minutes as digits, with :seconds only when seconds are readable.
7:59
